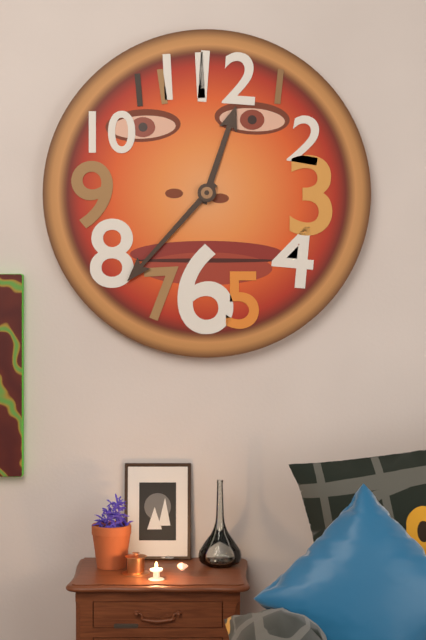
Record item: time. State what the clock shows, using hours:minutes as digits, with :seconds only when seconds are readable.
12:37
